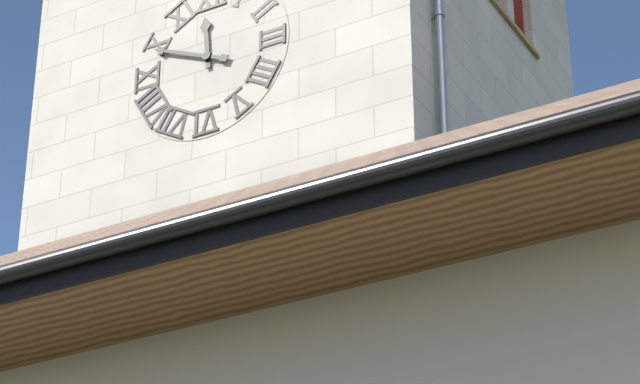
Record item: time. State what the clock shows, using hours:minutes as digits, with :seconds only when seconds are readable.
11:49
